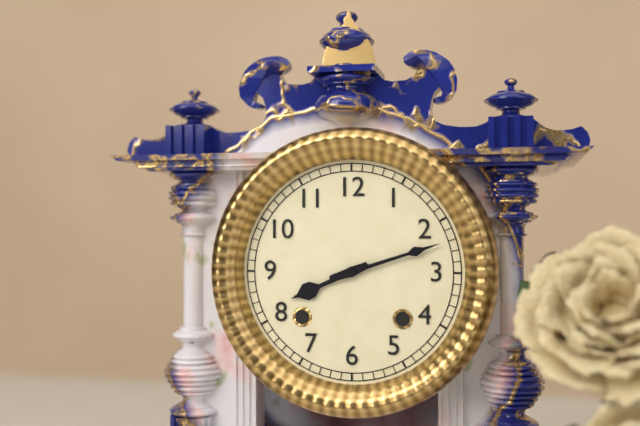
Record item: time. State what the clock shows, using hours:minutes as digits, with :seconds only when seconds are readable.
8:12
